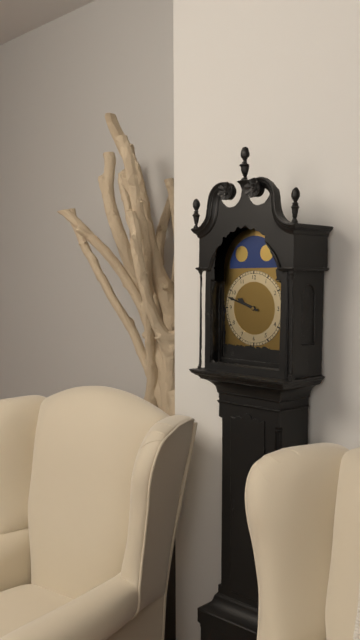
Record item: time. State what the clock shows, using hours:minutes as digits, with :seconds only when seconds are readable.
9:48
